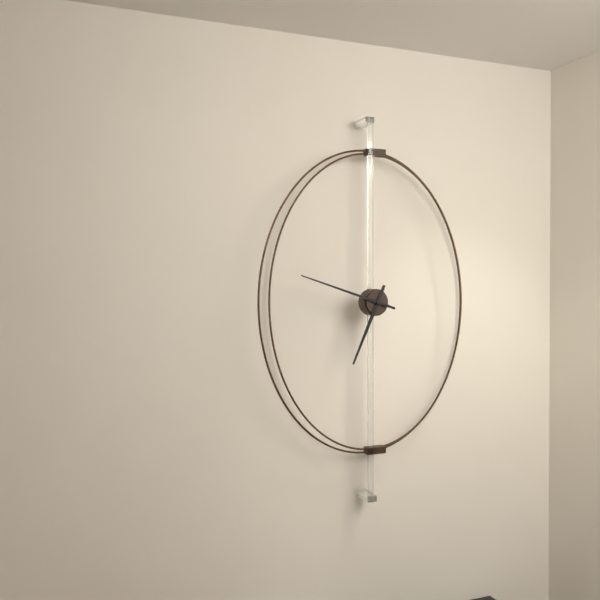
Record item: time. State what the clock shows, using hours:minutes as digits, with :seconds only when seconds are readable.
6:48
